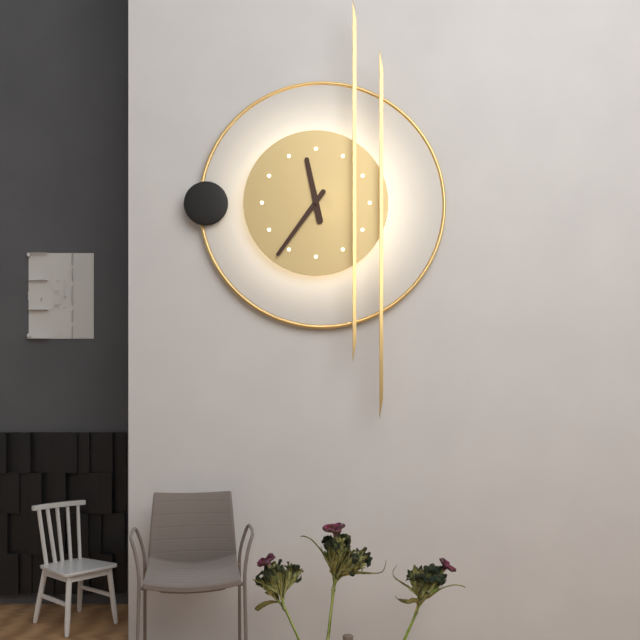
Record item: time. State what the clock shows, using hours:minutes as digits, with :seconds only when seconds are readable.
11:36
